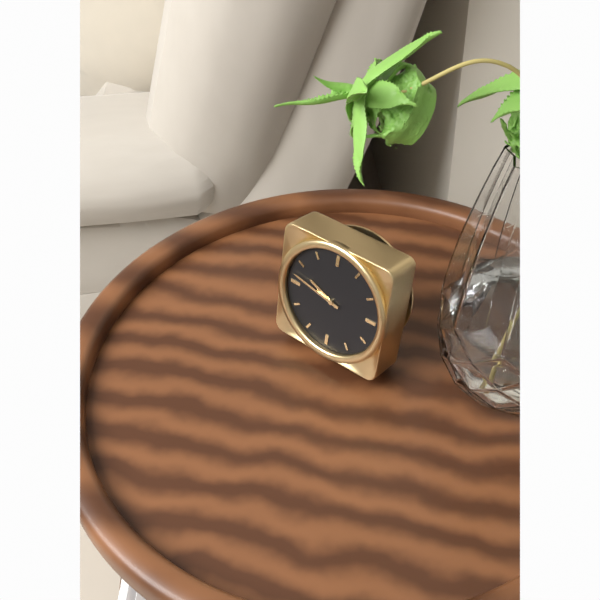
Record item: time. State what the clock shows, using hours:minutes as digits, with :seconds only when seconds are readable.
9:47
